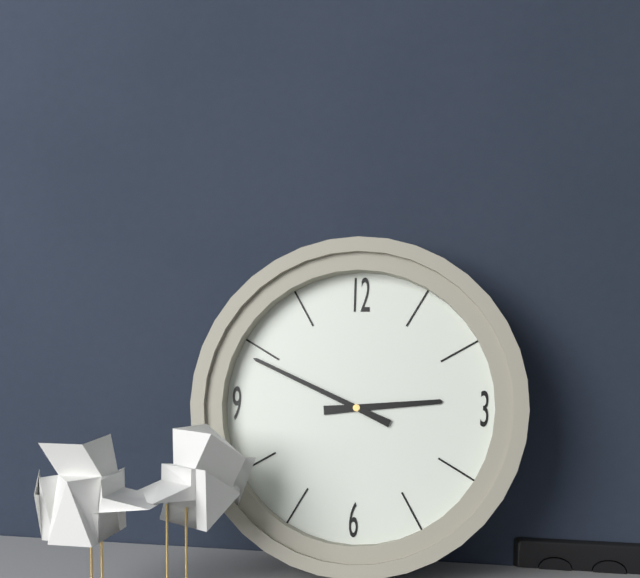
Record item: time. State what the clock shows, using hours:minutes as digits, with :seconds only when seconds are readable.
2:49
